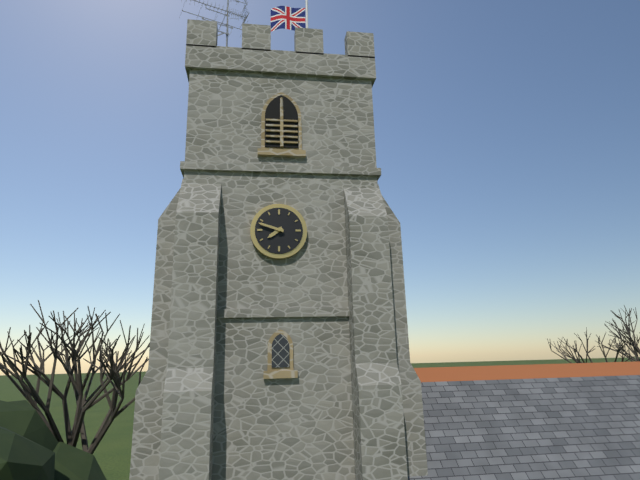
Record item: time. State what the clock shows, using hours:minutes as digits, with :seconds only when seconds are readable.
7:48
